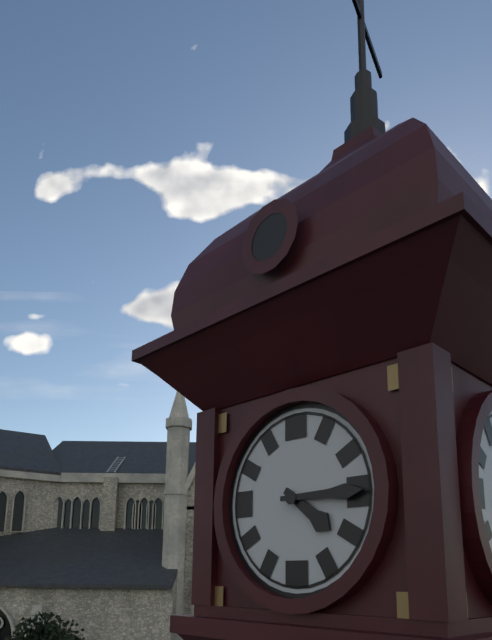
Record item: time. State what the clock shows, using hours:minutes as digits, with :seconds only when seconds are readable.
4:15
